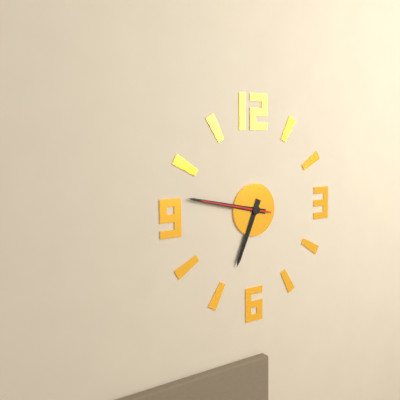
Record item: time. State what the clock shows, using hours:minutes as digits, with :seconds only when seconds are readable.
6:47:47
